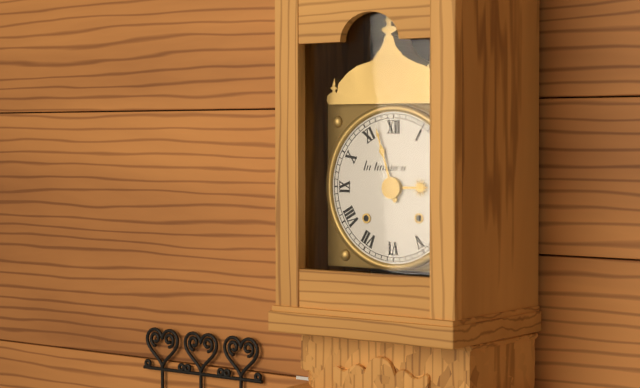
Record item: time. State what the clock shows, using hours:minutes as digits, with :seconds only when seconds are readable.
2:57
